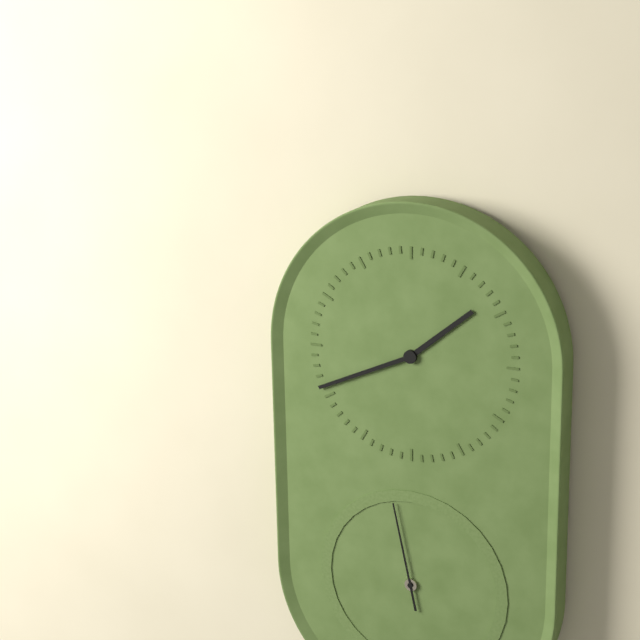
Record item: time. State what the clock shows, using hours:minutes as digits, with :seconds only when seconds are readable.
1:41:58
